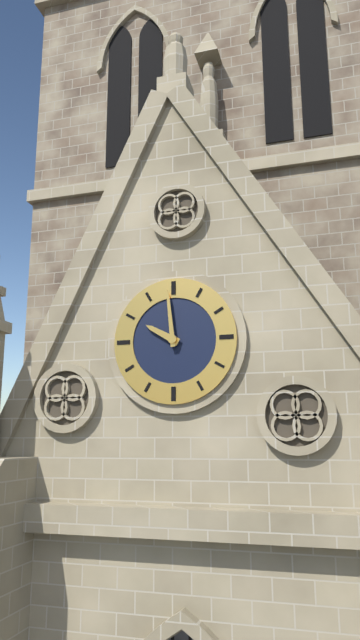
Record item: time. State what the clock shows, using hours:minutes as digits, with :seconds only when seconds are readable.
9:59
